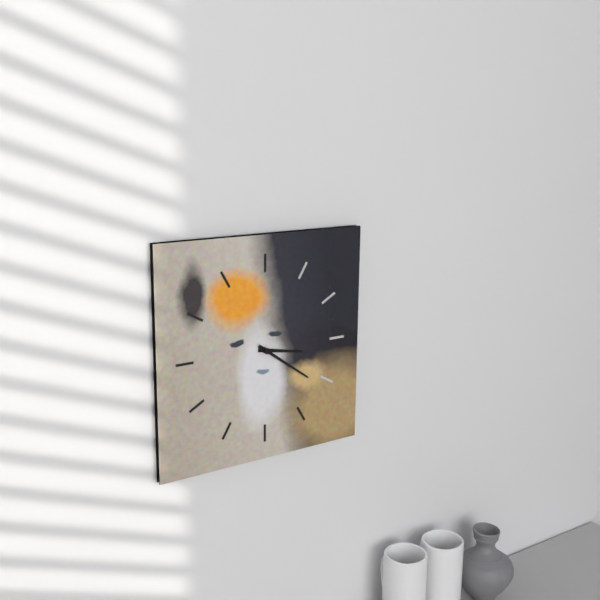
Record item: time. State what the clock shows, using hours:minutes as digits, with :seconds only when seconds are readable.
3:21
